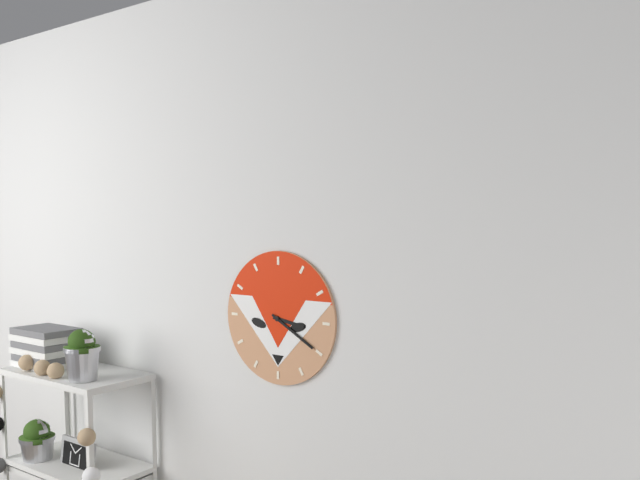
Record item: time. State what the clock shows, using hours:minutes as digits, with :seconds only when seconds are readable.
3:20
